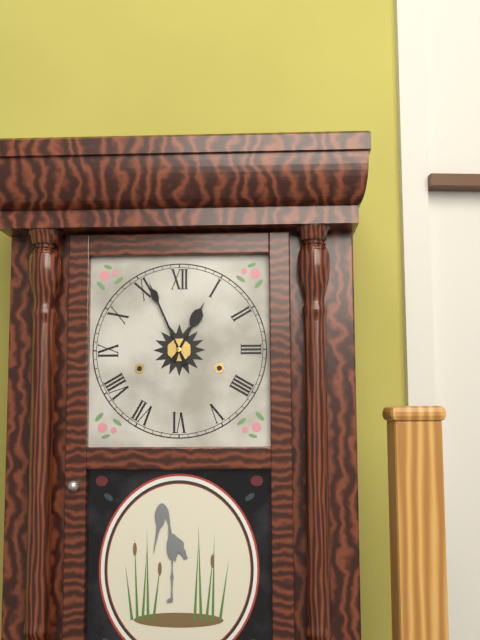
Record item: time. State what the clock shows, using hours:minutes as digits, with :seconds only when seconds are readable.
12:56
